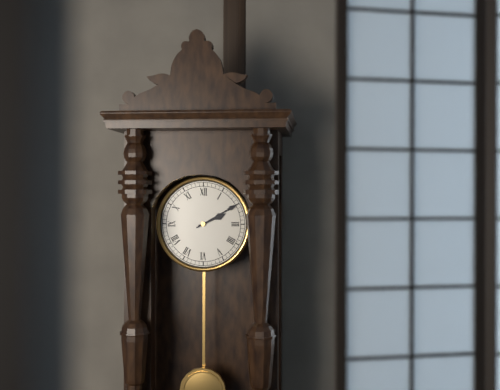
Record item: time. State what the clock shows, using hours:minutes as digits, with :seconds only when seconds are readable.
2:10
